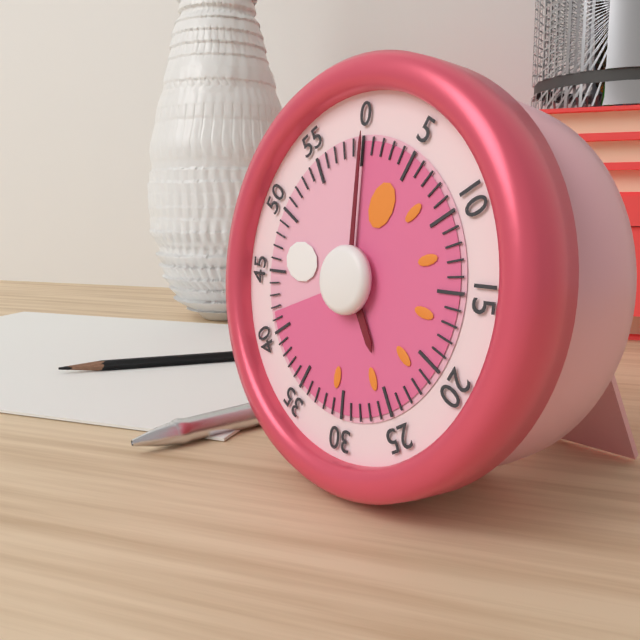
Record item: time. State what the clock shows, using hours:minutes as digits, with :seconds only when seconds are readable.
5:00
